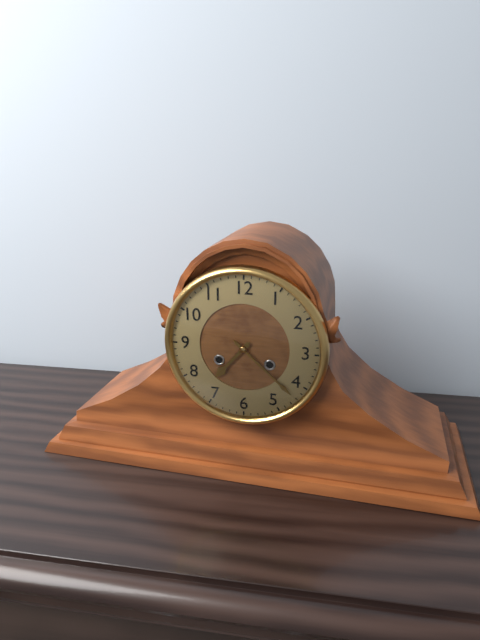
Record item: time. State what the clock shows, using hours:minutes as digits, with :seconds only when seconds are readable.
7:22
